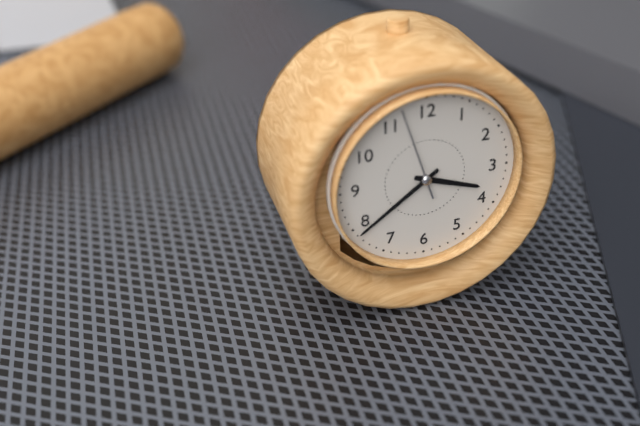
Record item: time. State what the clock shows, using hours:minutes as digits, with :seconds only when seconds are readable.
3:39
